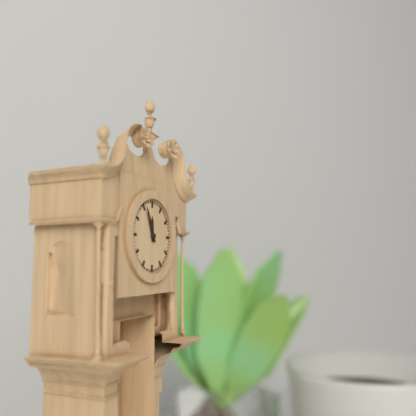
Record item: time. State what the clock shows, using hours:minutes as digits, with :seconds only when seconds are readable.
11:56
